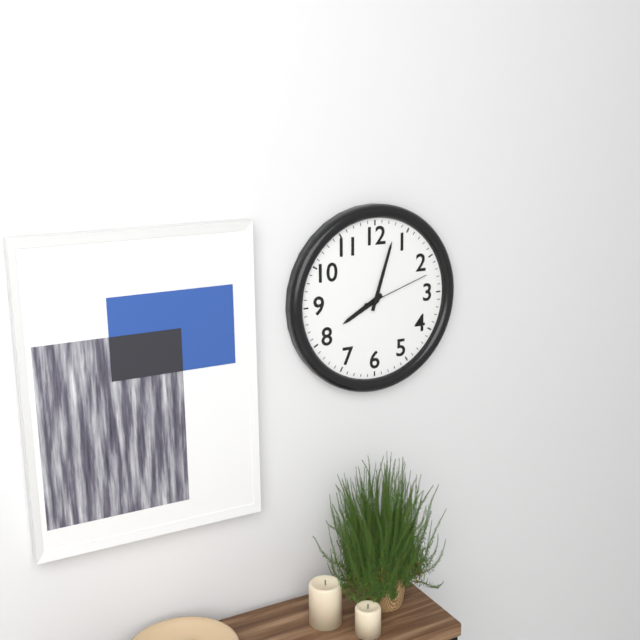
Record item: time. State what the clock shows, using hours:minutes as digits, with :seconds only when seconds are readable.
8:03:12
